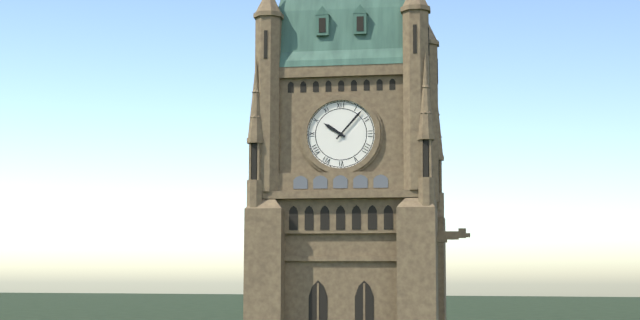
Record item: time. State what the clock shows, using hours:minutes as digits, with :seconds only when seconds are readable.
10:07
